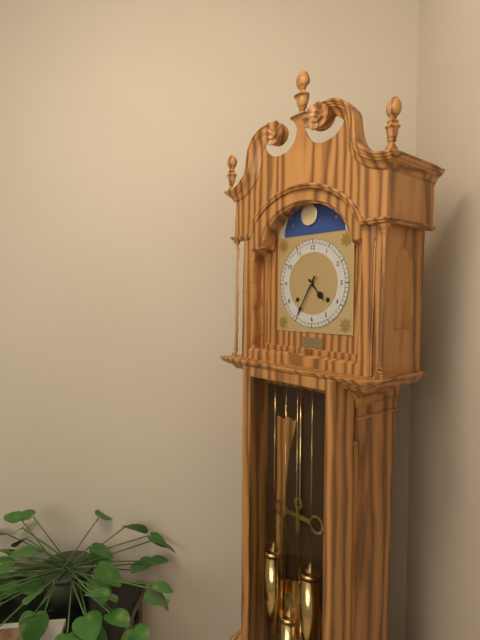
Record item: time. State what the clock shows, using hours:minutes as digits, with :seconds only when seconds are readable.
4:35
